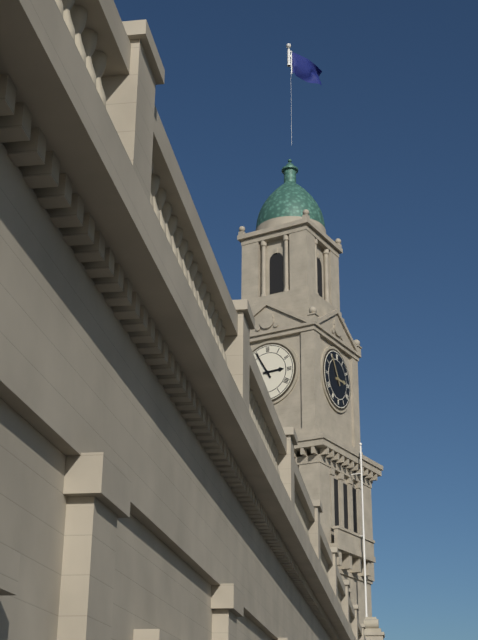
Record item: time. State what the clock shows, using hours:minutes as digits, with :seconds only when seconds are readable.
2:55
